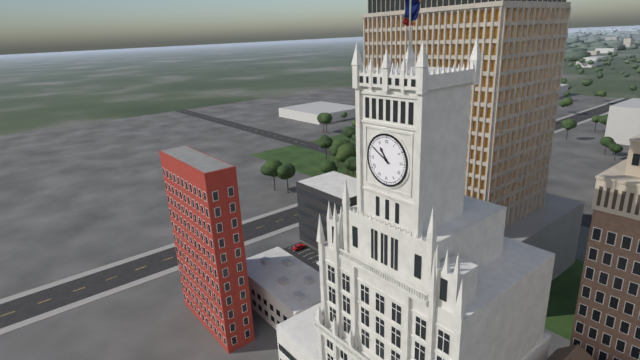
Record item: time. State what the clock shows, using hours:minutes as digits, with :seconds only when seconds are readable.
10:50
